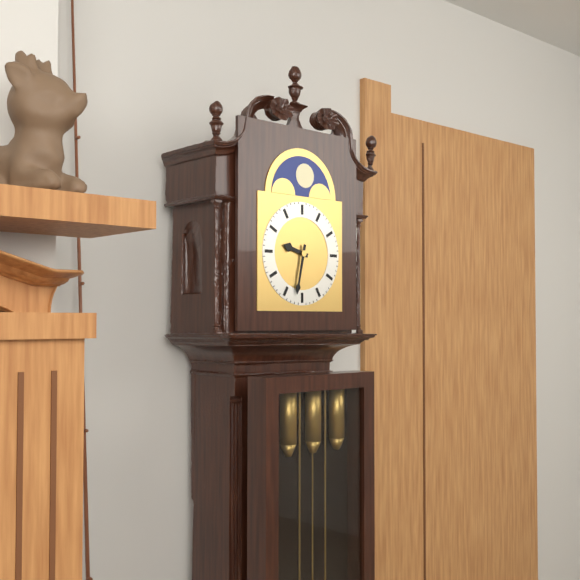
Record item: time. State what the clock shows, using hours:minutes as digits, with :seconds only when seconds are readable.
9:32
